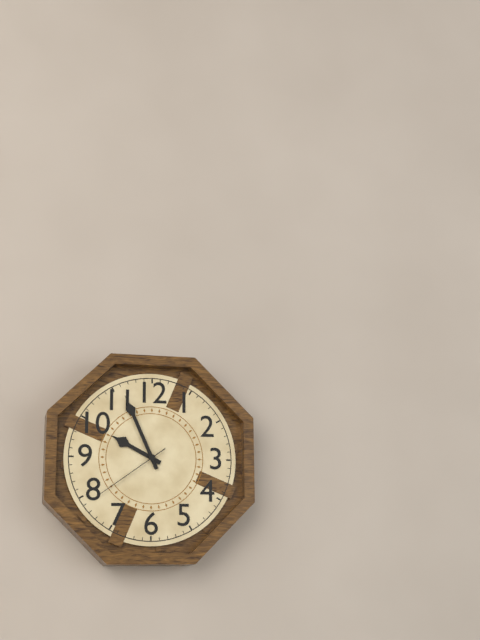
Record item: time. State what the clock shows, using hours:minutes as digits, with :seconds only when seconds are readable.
9:56:39
